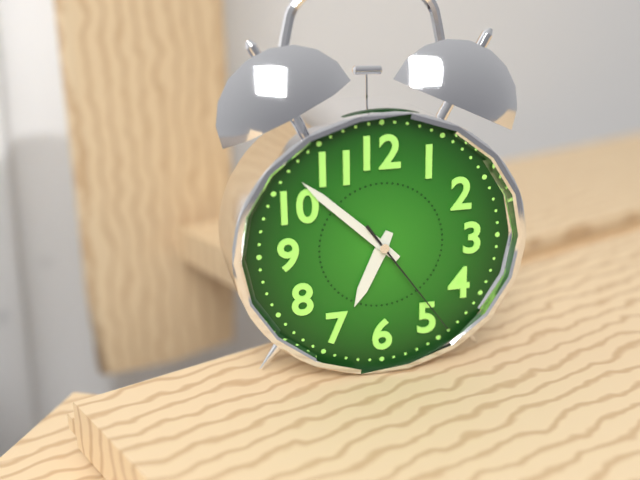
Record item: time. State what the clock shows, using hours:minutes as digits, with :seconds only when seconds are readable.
6:52:24
